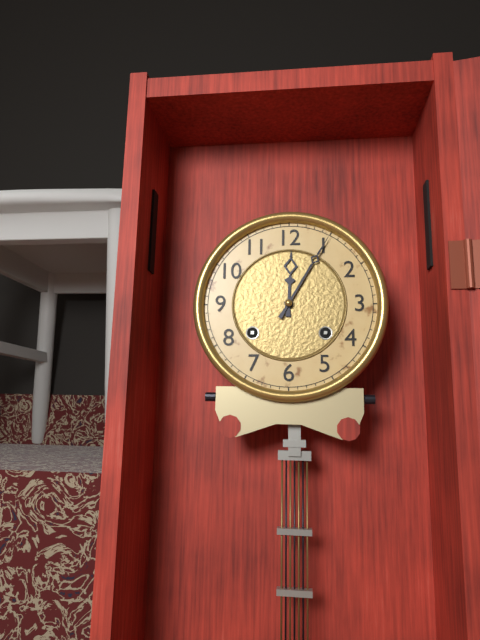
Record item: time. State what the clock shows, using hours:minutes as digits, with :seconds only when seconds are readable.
12:05
